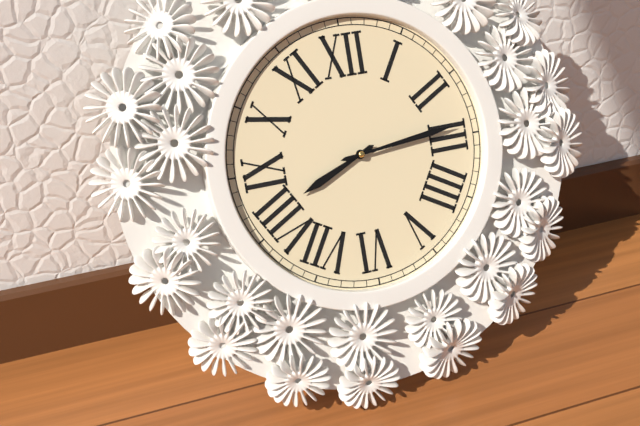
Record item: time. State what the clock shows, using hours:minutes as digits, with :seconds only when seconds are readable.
8:14
